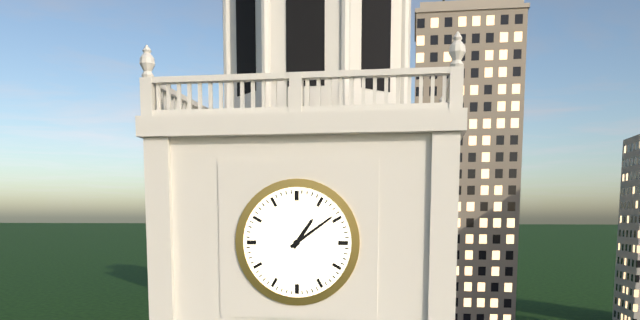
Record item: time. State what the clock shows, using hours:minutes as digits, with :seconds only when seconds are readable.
1:09
